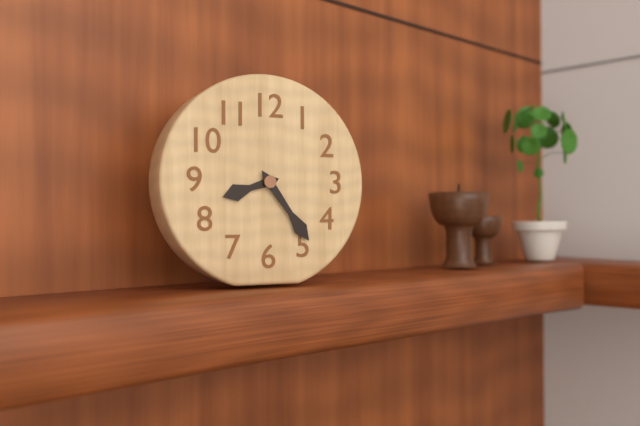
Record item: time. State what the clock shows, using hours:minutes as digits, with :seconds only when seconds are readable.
8:24
